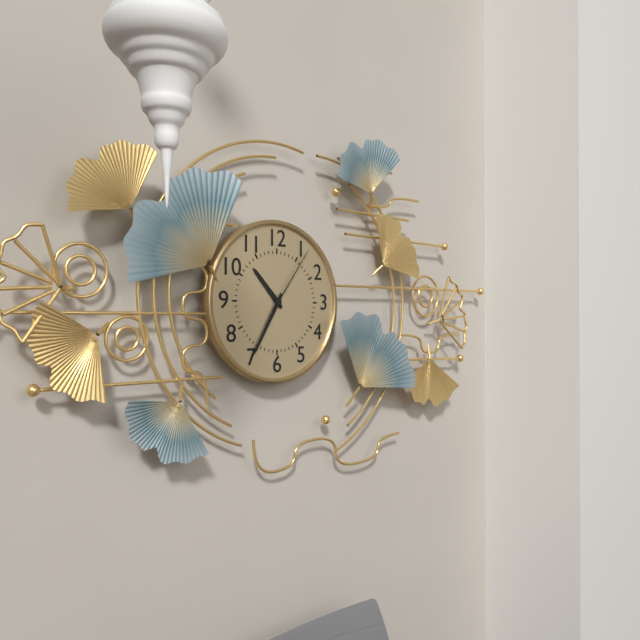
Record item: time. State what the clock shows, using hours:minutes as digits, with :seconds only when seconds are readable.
10:35:06
